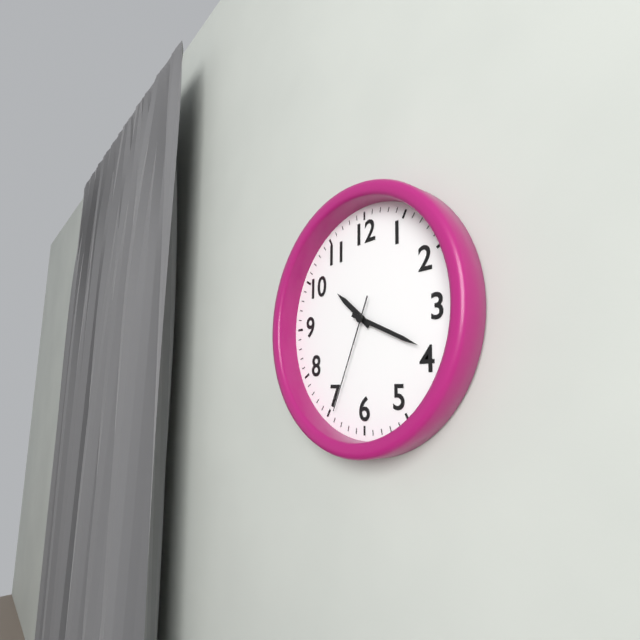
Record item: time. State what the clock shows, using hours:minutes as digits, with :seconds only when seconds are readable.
10:19:34
